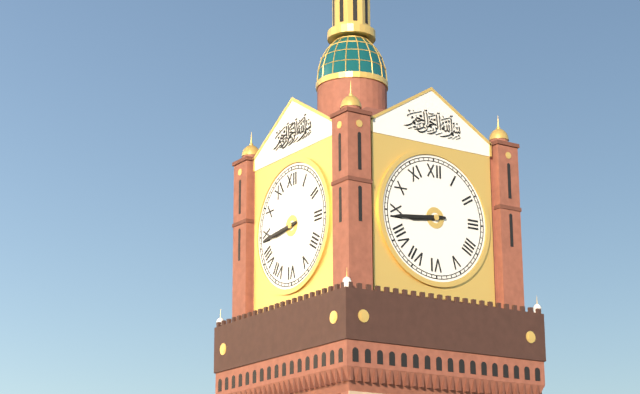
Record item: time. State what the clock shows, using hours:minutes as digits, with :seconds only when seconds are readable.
8:44
